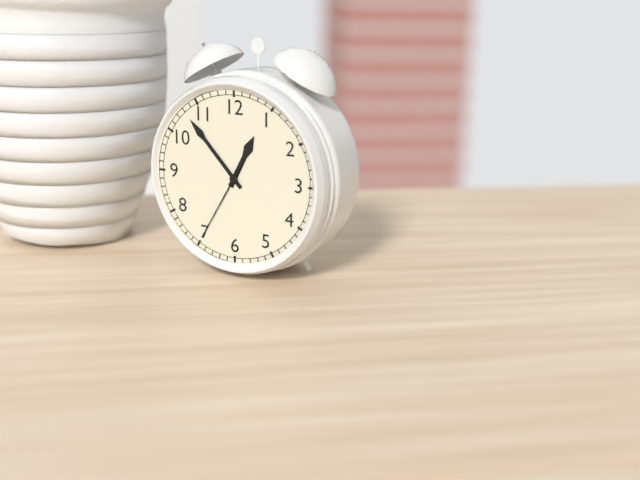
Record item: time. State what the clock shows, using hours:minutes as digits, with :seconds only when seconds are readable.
12:53:35
